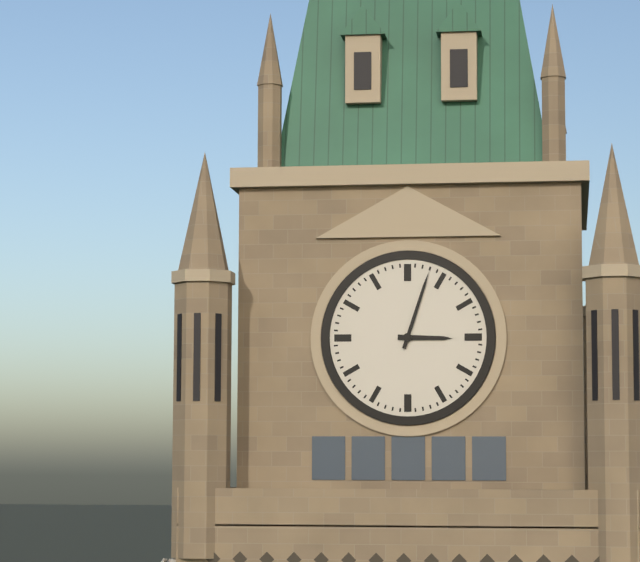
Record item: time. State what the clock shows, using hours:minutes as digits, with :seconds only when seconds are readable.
3:03
